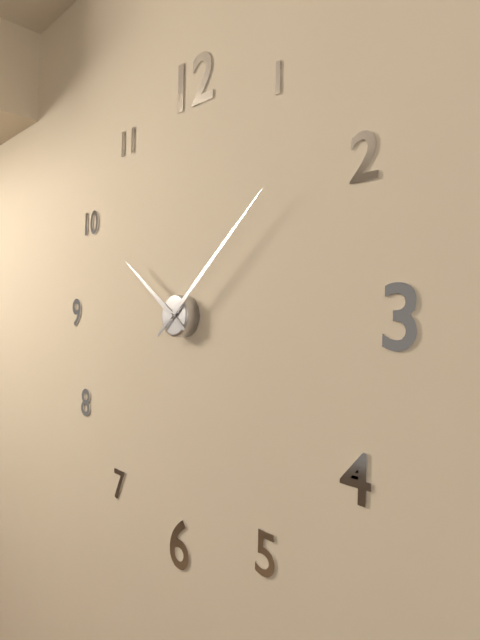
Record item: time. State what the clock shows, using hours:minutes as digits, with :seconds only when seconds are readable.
10:08
